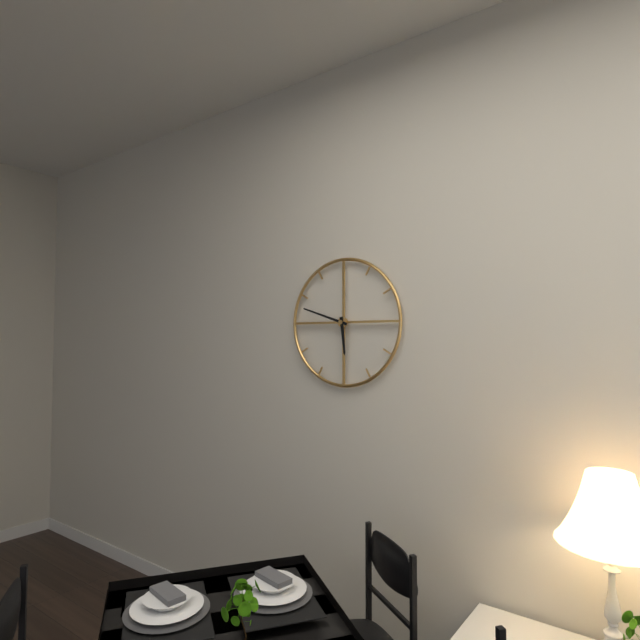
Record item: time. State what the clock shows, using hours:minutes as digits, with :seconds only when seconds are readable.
5:48
